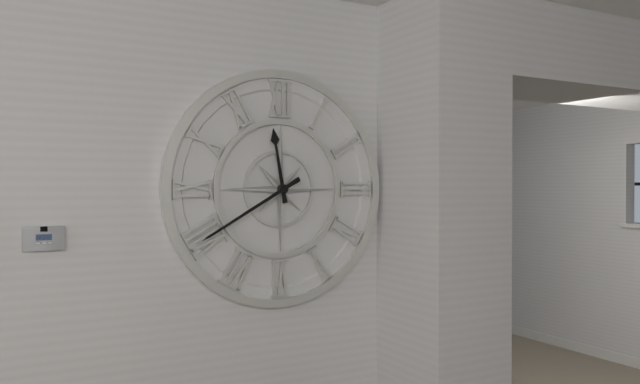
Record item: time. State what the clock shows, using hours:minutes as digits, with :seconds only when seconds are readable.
11:40
